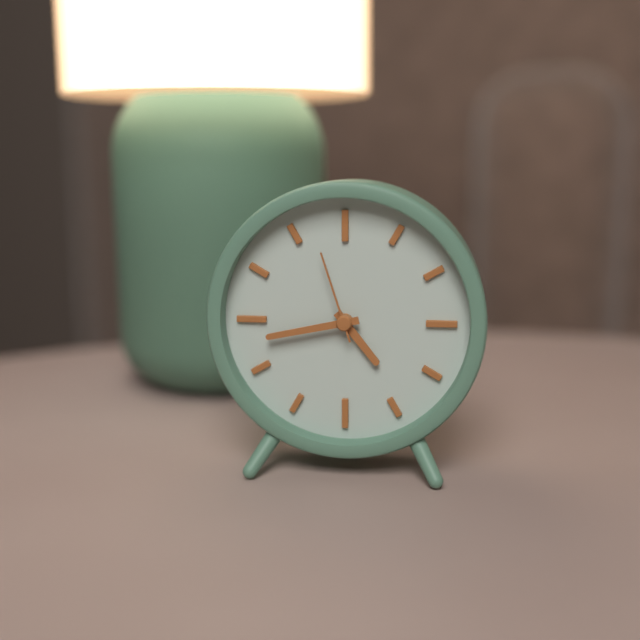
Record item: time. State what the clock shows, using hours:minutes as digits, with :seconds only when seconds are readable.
4:43:57
